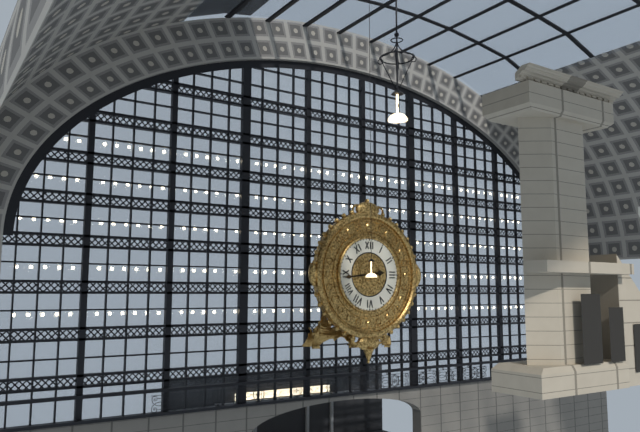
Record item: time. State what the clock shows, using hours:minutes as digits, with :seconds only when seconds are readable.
2:44
